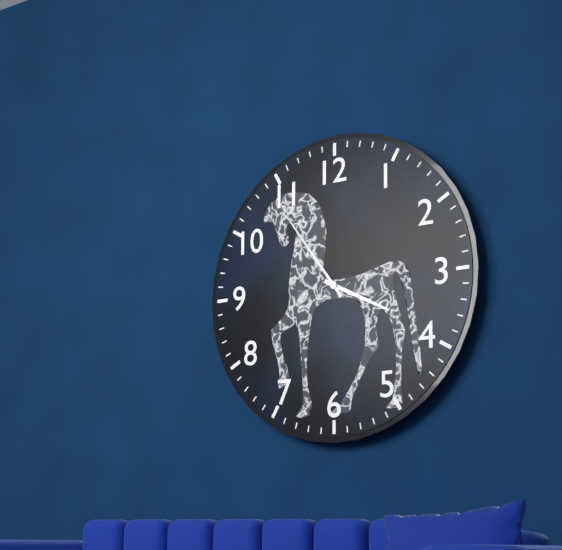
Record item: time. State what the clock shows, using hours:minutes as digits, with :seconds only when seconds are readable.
3:54
